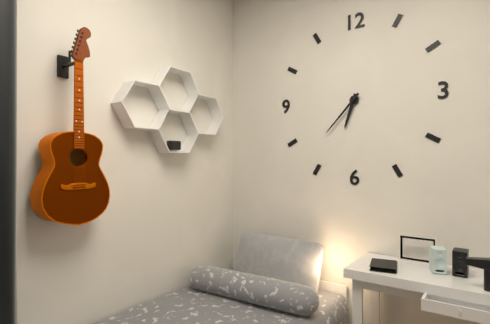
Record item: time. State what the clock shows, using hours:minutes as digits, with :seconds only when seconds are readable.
6:37
